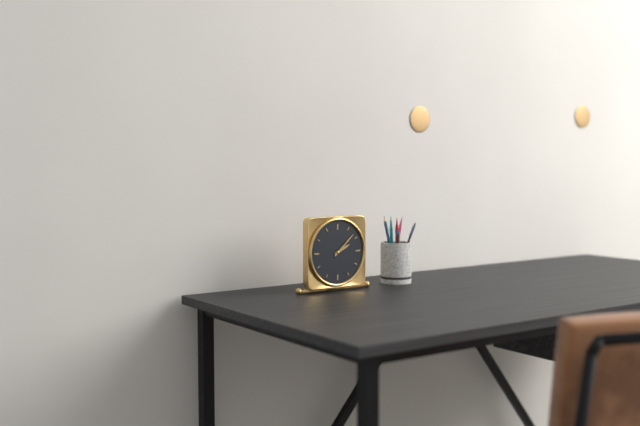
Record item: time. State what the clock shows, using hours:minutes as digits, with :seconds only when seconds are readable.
2:08
